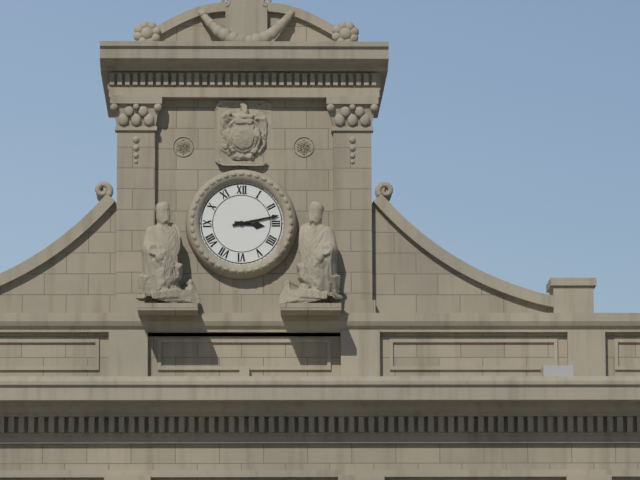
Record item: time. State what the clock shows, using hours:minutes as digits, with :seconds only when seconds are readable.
3:13
